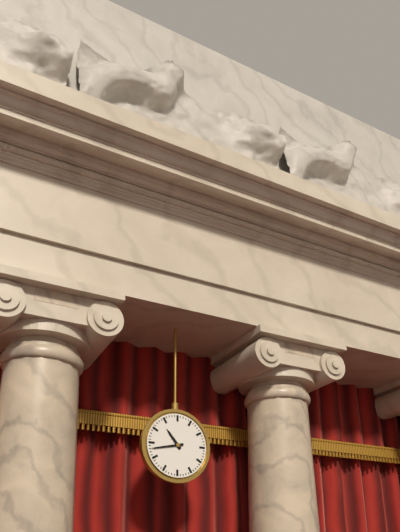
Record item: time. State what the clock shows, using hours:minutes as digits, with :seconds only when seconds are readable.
10:43
